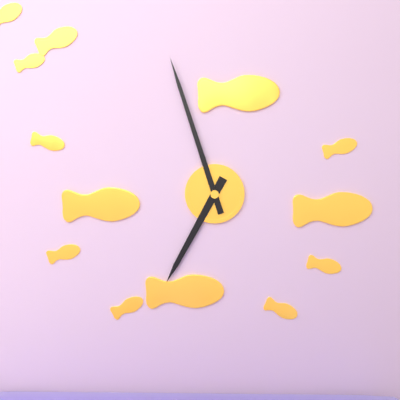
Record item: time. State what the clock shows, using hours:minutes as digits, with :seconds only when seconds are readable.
6:57
